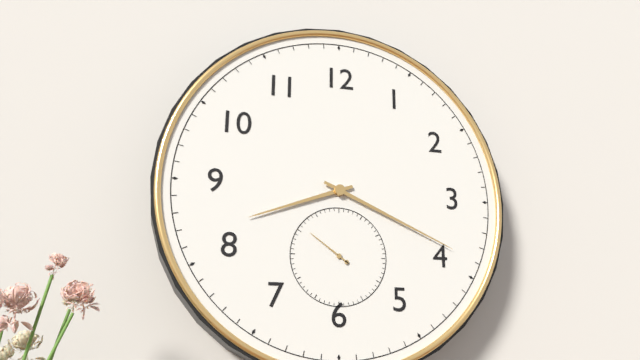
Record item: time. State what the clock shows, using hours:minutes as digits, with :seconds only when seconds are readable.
8:19
